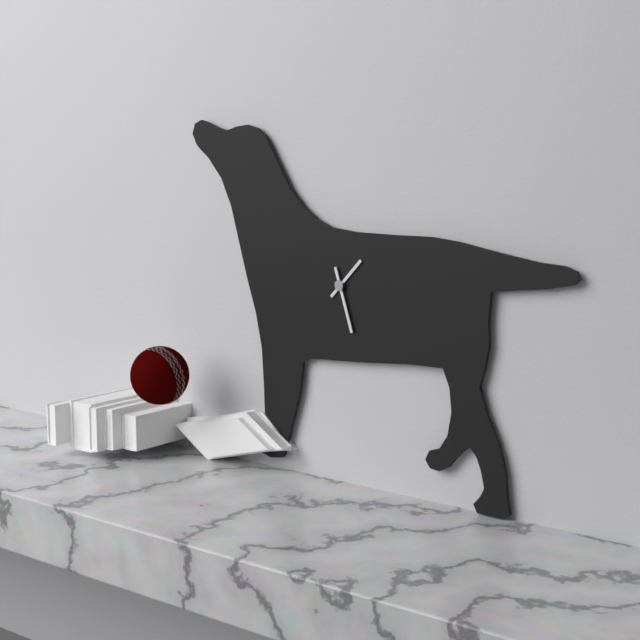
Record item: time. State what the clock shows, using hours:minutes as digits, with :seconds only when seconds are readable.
1:27
